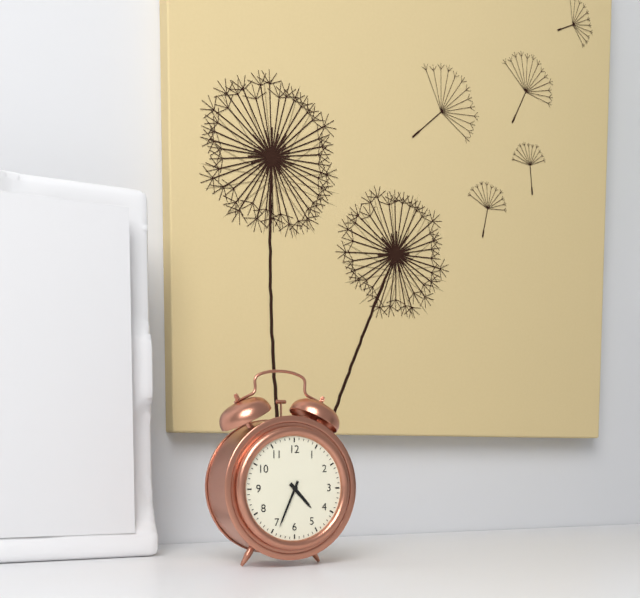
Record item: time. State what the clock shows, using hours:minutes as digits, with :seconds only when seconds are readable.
4:34
